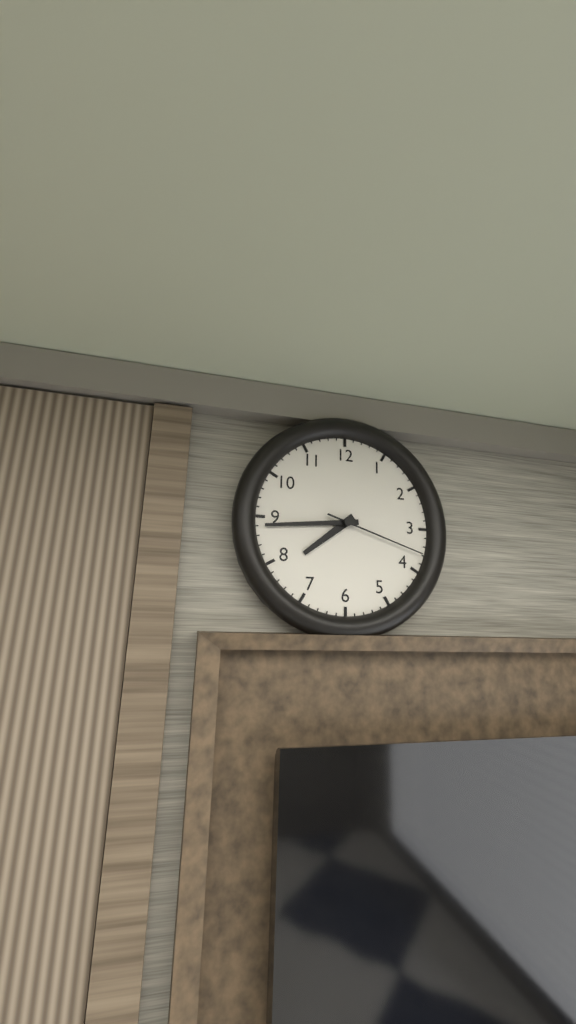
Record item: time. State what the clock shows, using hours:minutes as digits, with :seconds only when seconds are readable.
7:44:18
